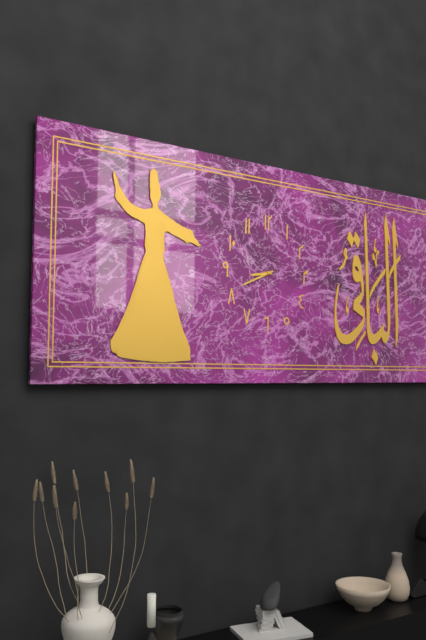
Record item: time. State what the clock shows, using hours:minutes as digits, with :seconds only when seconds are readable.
8:41
